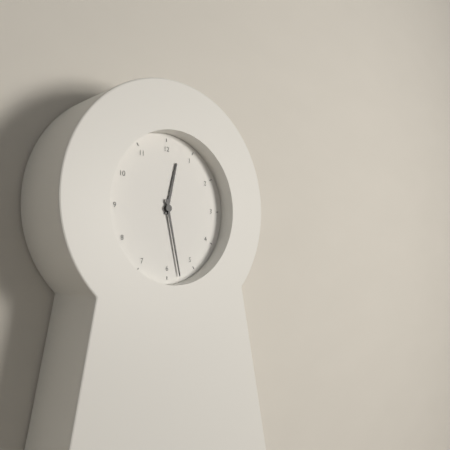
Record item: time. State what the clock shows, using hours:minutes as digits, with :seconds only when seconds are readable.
12:28
